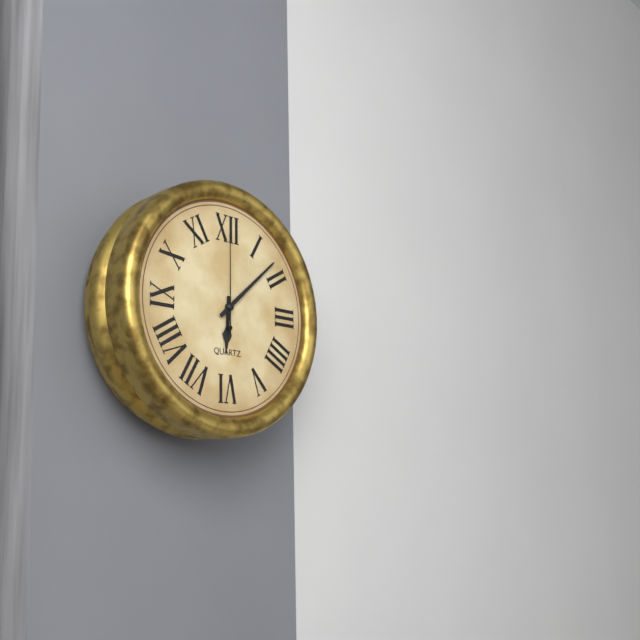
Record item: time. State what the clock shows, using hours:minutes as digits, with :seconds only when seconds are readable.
6:08:00
